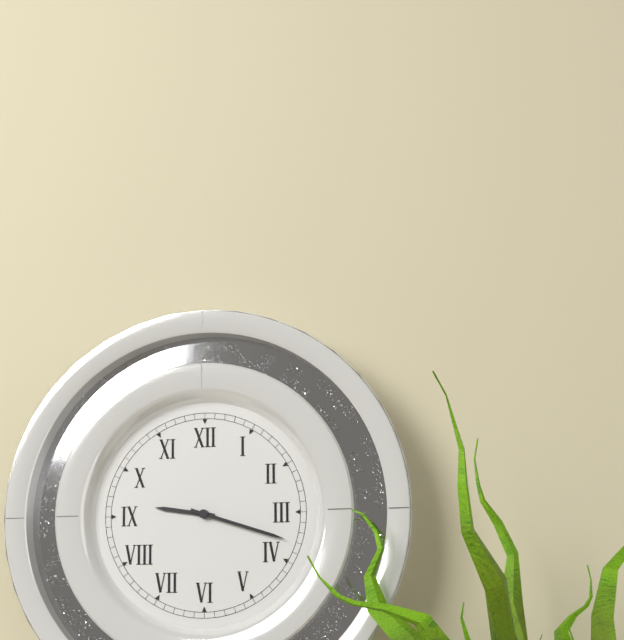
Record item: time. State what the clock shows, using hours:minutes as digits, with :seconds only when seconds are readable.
9:18
